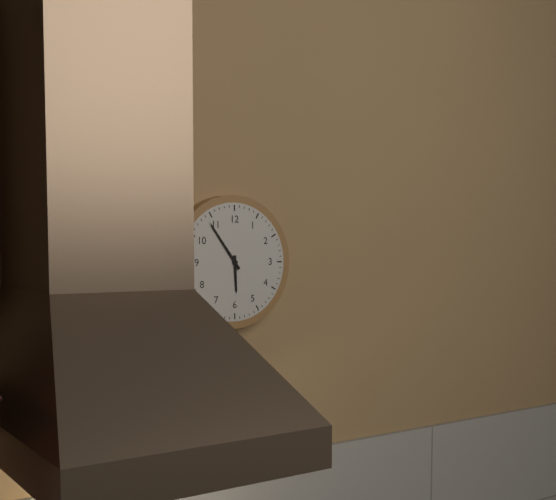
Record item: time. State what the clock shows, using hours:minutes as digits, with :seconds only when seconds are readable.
5:54
